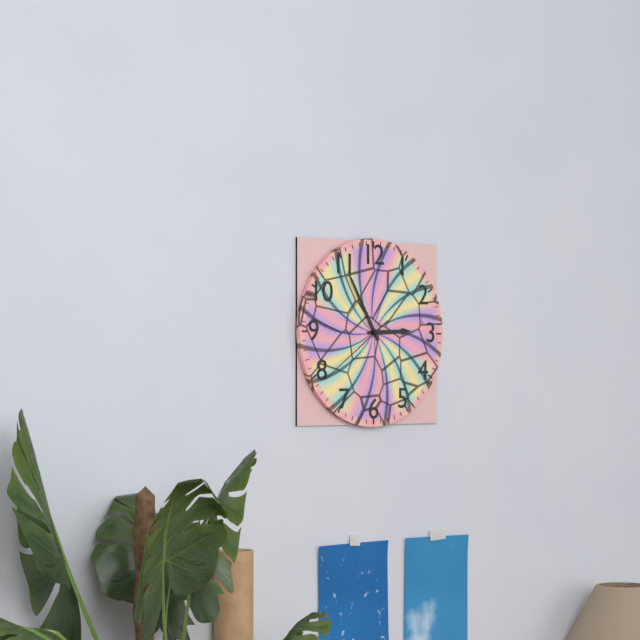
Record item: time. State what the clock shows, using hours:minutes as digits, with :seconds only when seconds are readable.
2:55:39
